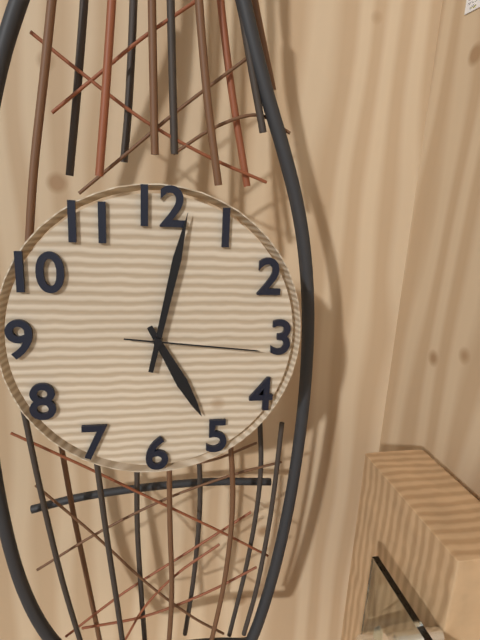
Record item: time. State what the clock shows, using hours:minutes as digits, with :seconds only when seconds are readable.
5:02:16
